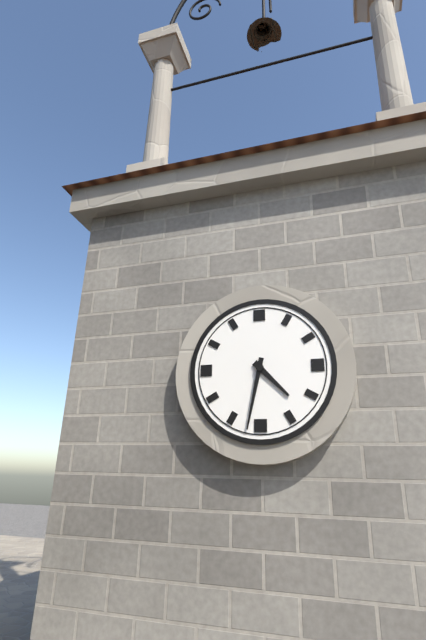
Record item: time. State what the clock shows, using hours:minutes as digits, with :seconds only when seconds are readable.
4:32
